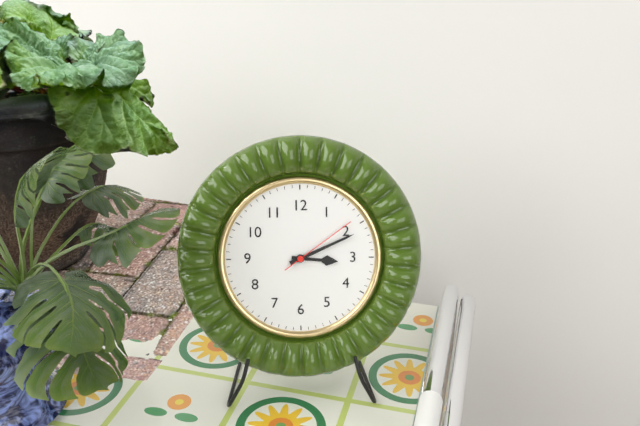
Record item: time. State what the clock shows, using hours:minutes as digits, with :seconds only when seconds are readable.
3:11:09
